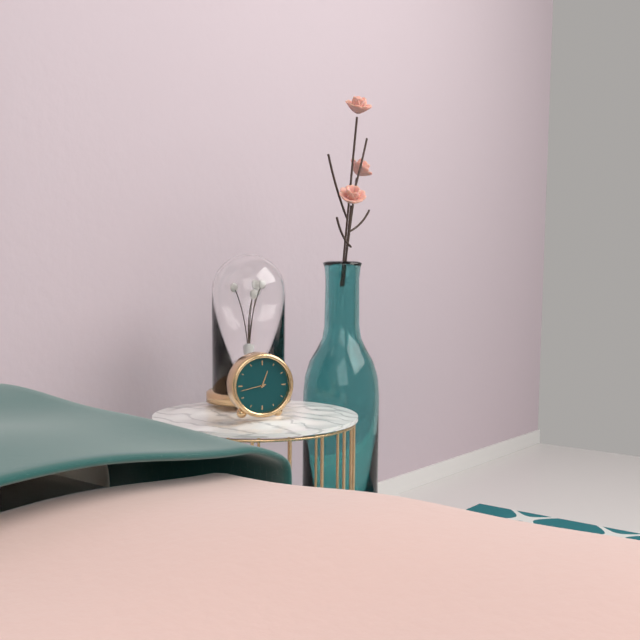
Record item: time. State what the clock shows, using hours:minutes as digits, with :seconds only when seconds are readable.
12:43
